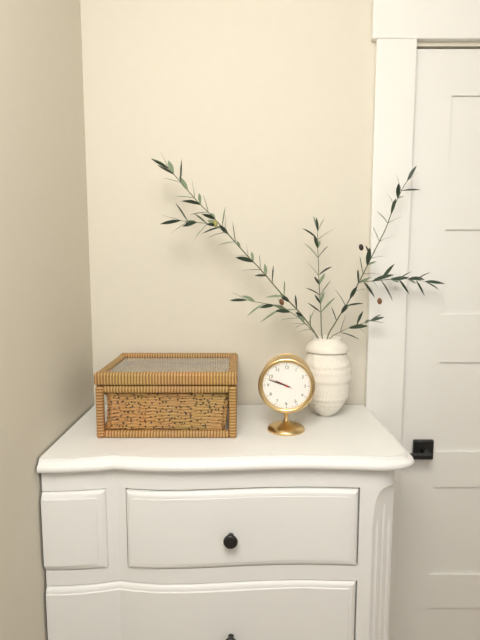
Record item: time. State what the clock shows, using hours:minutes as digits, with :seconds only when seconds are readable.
9:48
